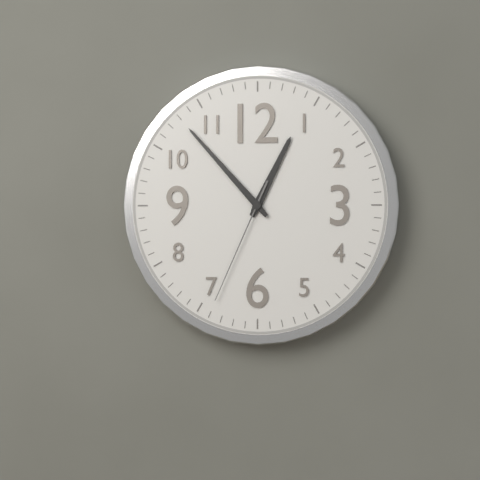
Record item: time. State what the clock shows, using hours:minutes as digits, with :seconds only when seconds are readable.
12:53:34
